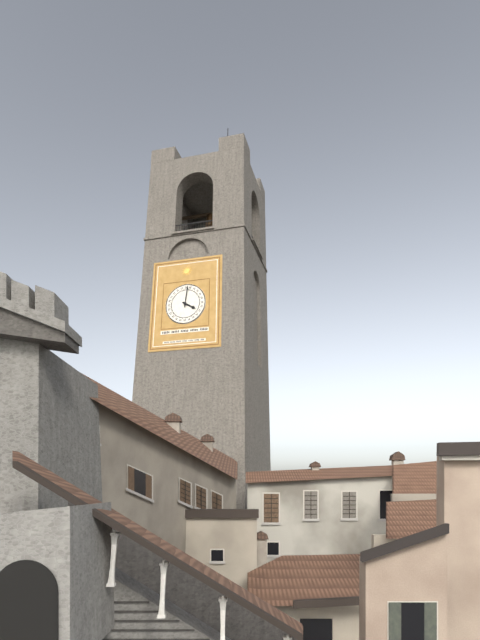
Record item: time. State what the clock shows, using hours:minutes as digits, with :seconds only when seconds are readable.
4:01
